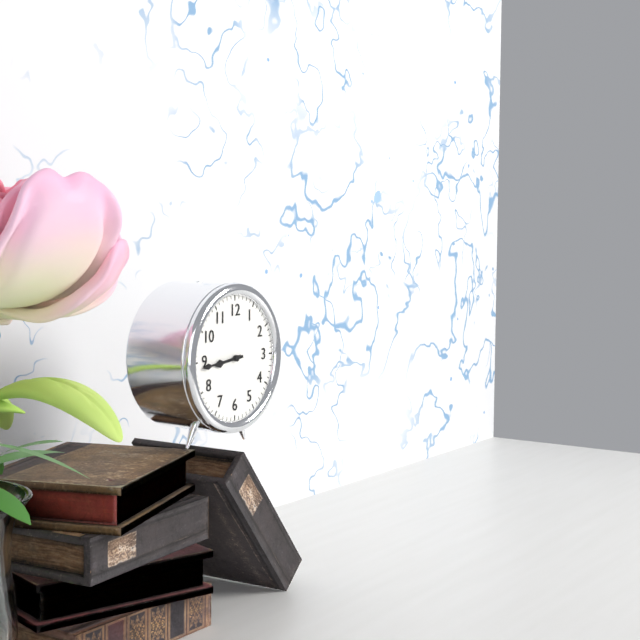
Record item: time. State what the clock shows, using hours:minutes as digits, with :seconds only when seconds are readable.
8:44
